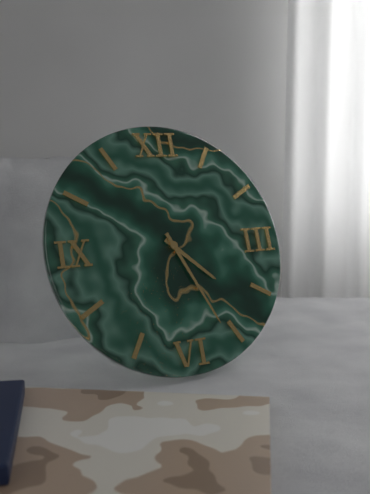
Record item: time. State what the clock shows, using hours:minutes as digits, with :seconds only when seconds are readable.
4:26
